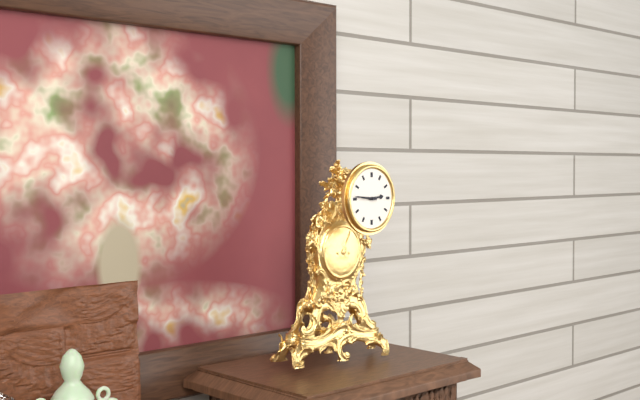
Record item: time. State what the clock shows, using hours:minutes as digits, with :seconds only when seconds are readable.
2:46
